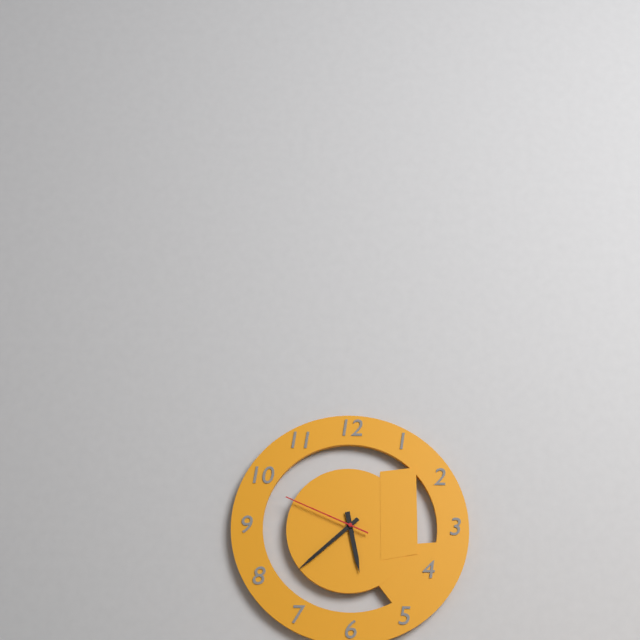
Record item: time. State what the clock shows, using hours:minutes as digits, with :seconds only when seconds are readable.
5:38:49
